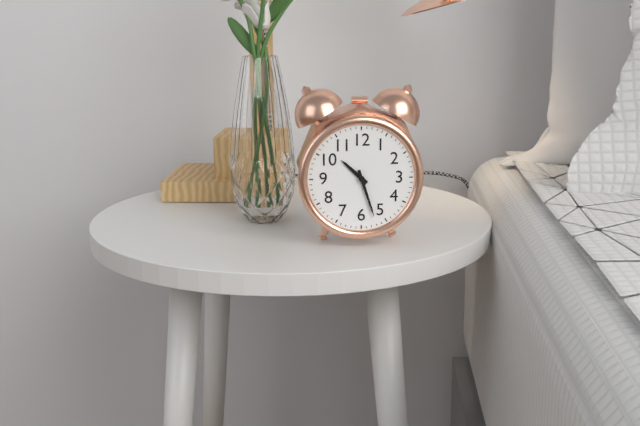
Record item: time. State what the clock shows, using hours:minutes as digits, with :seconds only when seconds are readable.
10:27
